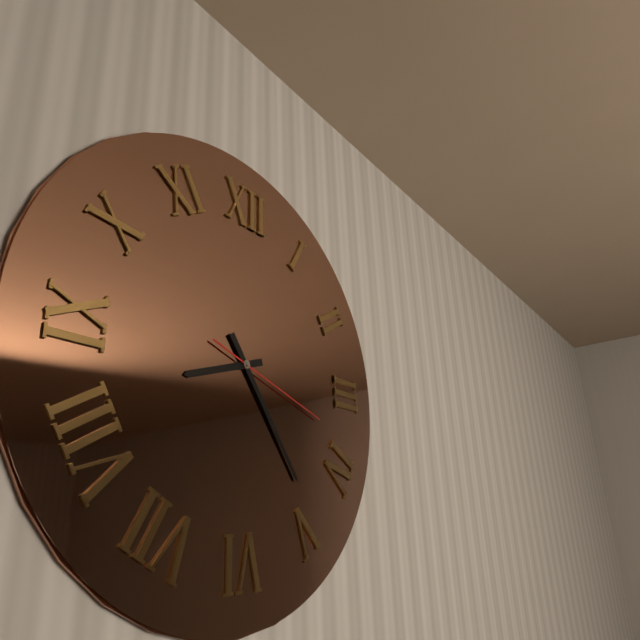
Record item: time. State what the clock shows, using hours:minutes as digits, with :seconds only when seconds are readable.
8:24:18
